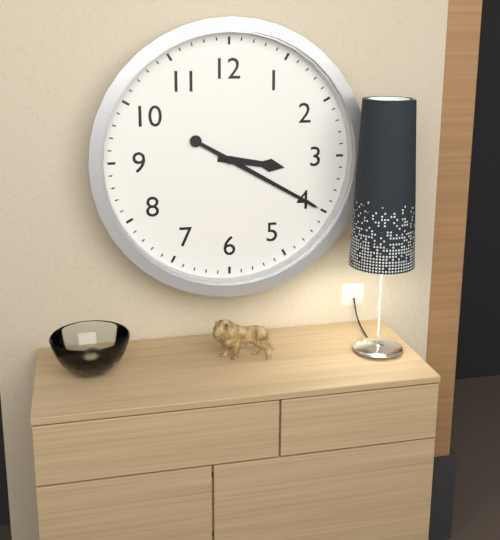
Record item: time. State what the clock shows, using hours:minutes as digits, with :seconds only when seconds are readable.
3:20
